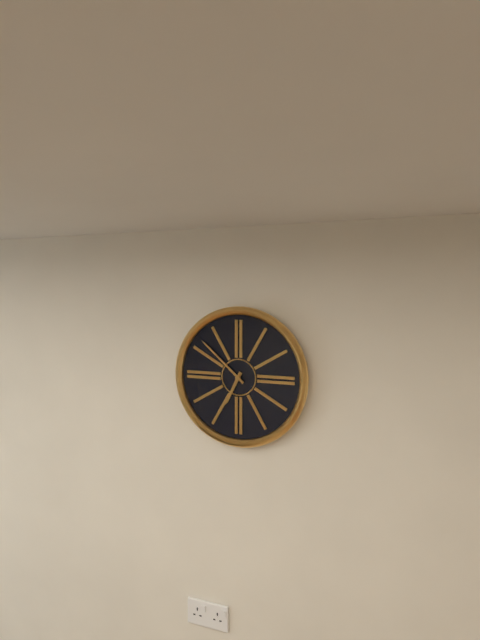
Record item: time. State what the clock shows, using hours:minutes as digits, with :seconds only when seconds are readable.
6:52
